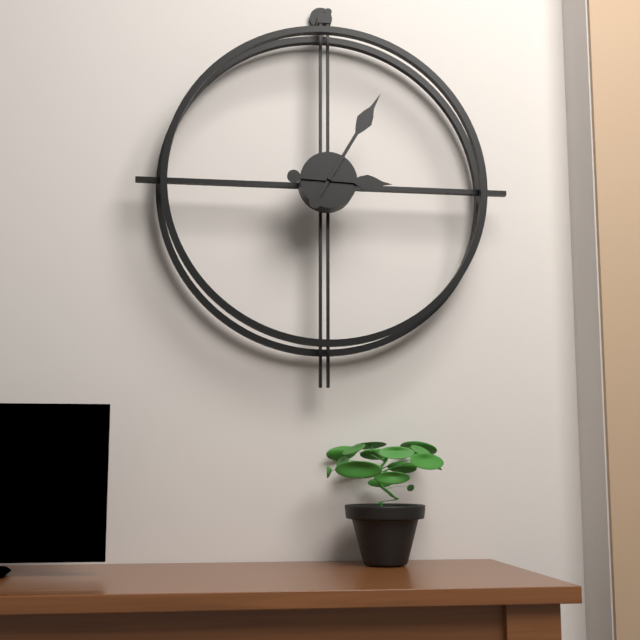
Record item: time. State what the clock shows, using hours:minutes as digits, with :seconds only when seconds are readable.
3:05
